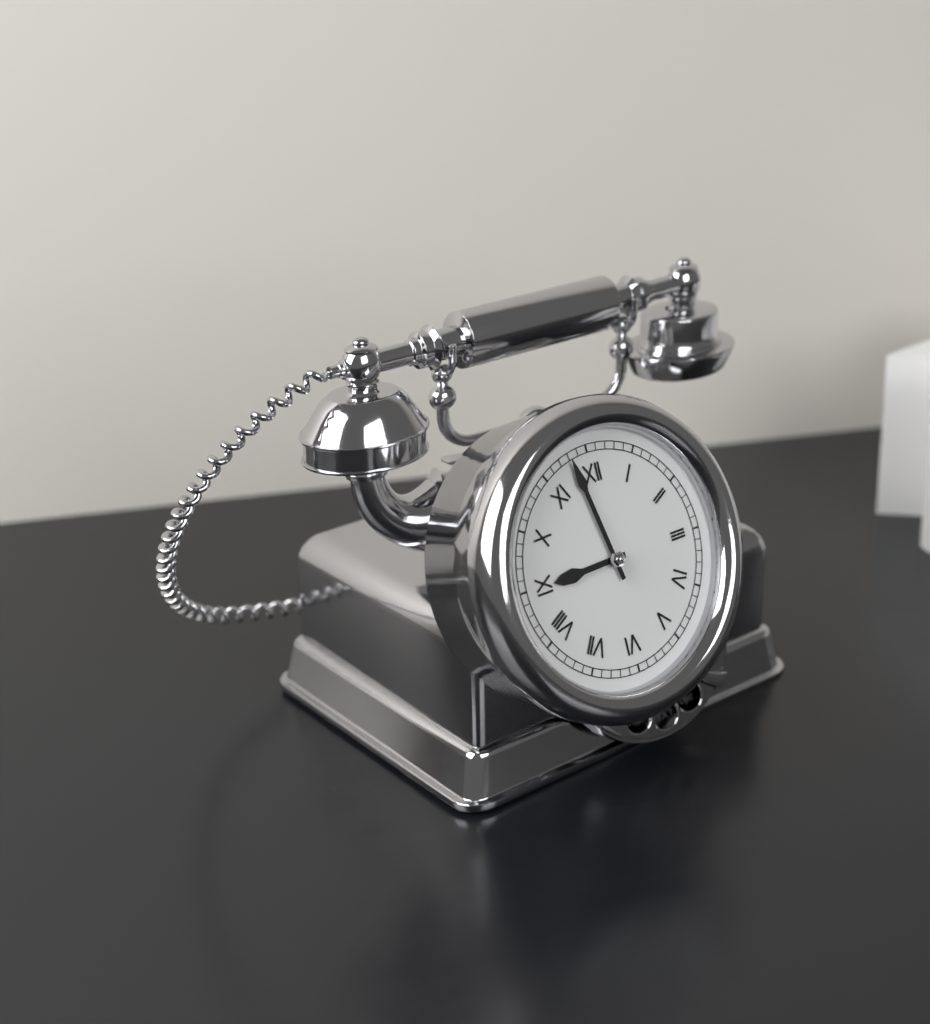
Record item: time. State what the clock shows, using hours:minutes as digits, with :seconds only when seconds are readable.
8:58
